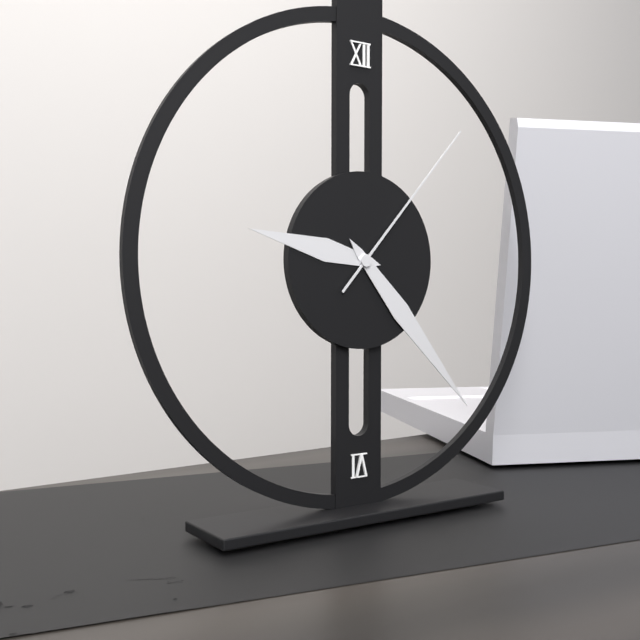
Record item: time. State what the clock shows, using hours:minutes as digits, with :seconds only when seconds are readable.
9:23:07
